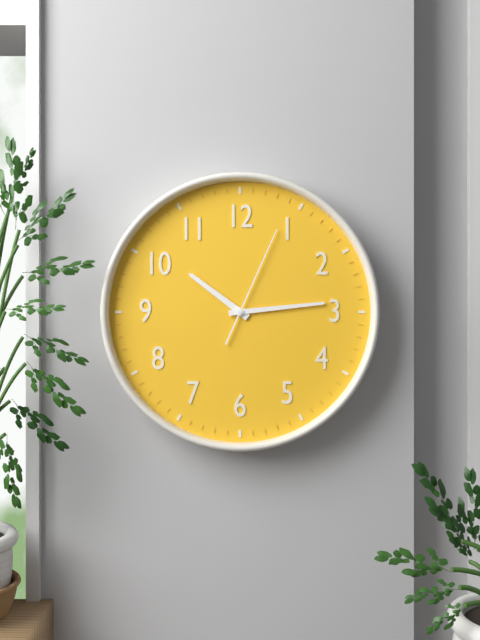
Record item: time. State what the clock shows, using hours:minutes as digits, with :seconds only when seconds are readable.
10:14:04
